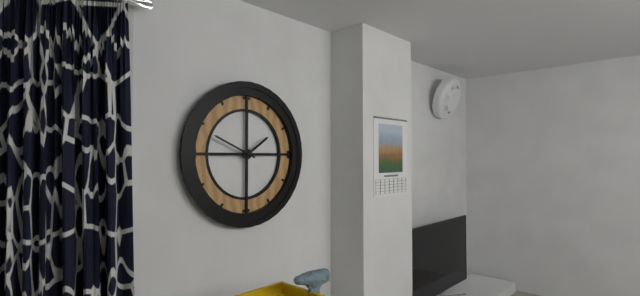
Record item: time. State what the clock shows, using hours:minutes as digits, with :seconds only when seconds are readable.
1:49
